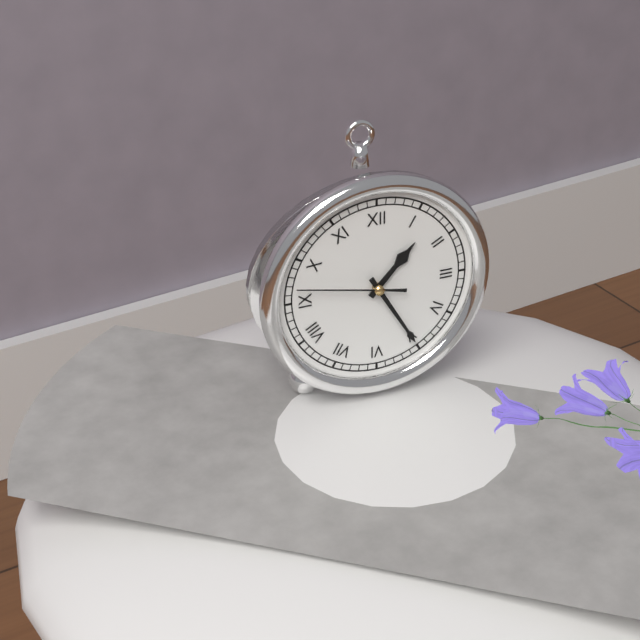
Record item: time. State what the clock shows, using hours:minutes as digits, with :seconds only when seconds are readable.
1:25:47
